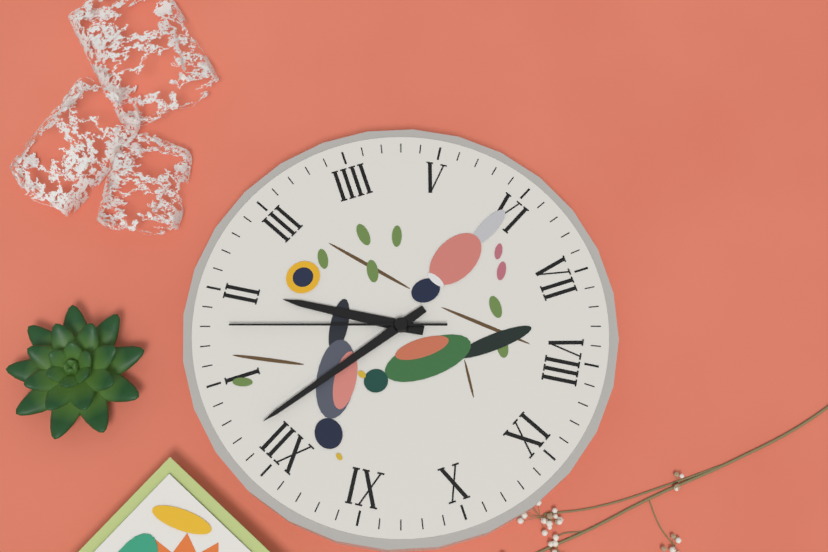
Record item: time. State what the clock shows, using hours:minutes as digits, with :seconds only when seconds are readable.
2:02:08
